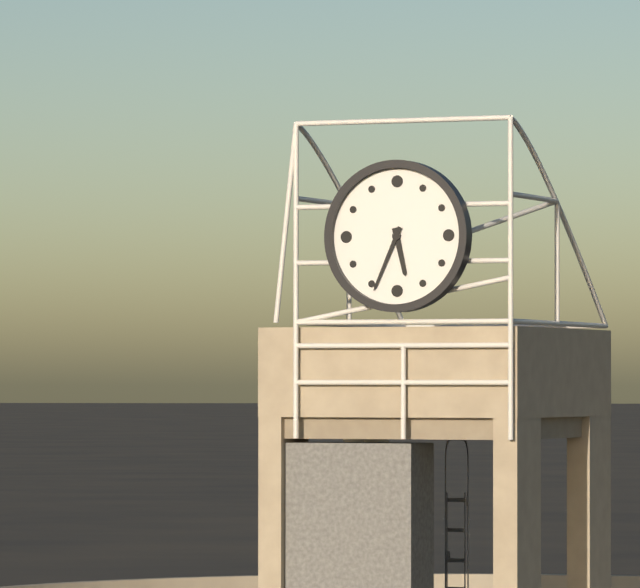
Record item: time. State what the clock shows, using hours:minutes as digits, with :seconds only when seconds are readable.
5:34
